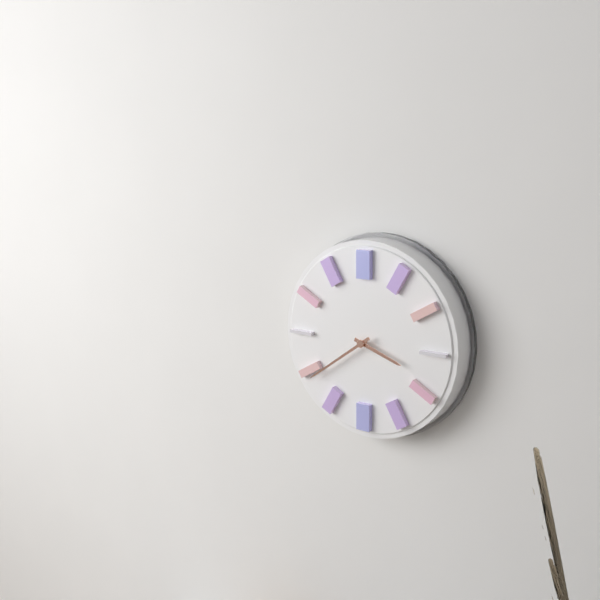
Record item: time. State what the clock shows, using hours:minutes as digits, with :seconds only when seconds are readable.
3:39
